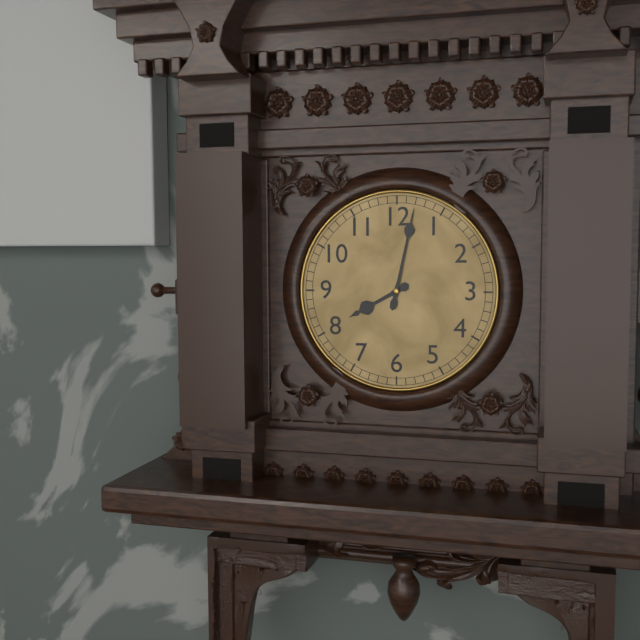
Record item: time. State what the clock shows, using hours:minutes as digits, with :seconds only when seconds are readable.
8:02
